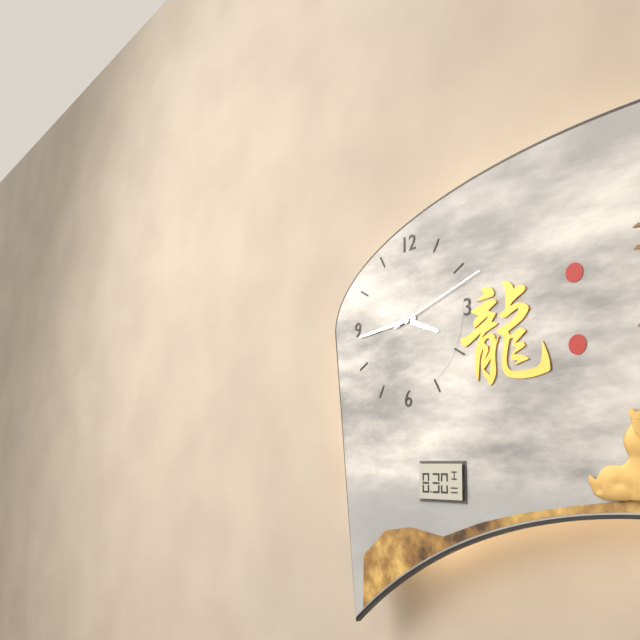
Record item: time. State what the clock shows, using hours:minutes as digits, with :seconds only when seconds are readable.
3:44:12
